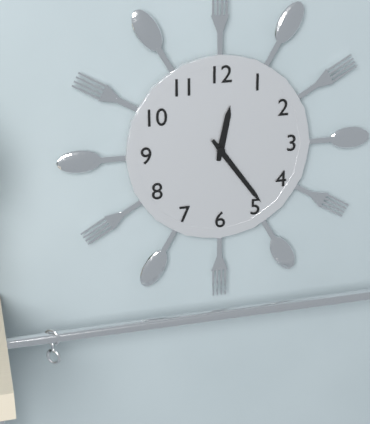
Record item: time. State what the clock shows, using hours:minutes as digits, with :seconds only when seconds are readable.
12:24
